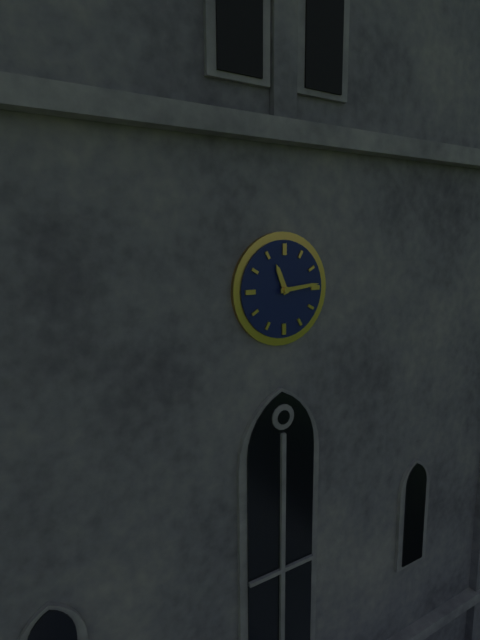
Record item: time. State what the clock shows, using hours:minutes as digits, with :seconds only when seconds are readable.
11:14
